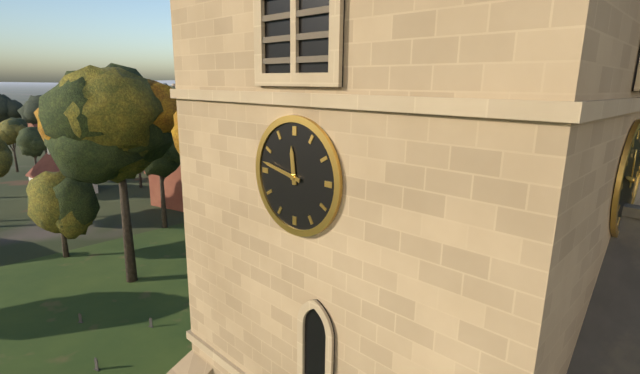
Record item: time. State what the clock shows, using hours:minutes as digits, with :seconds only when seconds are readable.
11:47
